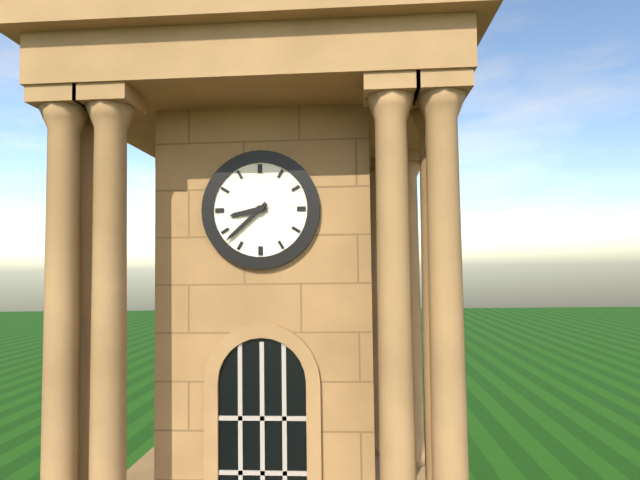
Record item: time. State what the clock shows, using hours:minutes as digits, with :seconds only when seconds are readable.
8:38
